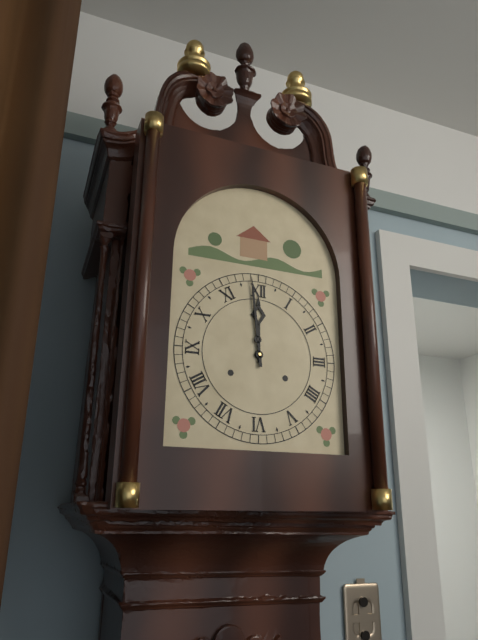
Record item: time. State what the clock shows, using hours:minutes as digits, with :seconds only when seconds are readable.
11:59
